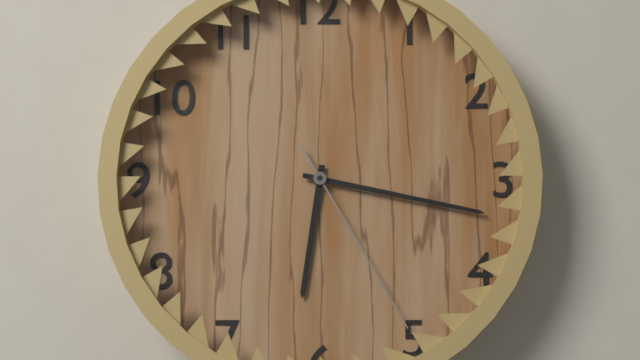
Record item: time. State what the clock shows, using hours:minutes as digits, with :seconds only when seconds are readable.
6:17:25
